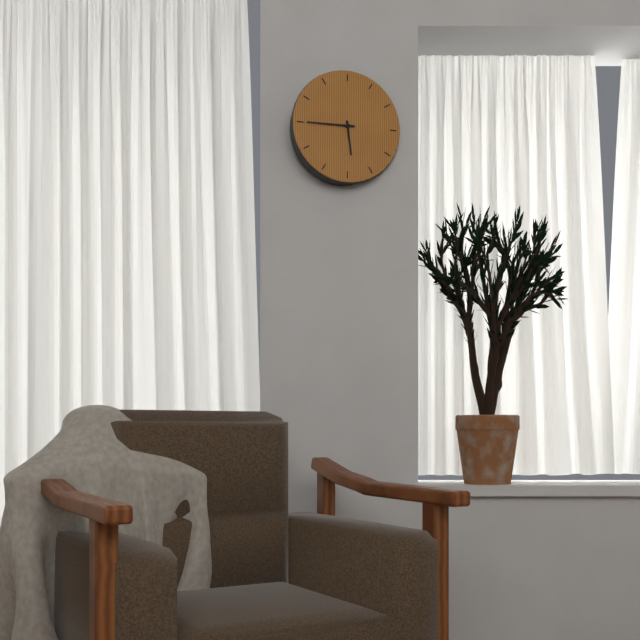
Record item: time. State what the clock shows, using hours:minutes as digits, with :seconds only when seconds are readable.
5:45
